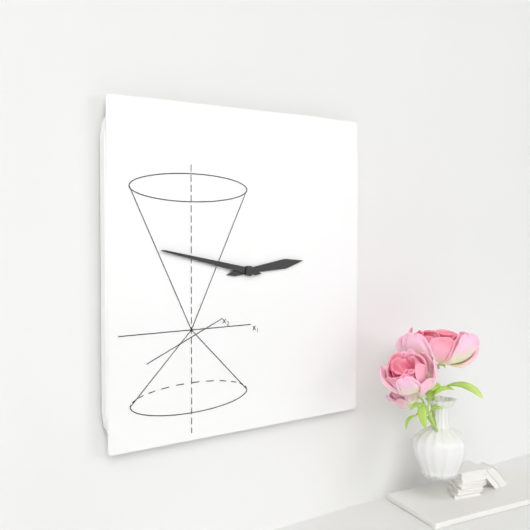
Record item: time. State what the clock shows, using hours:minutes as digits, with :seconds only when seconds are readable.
2:47
